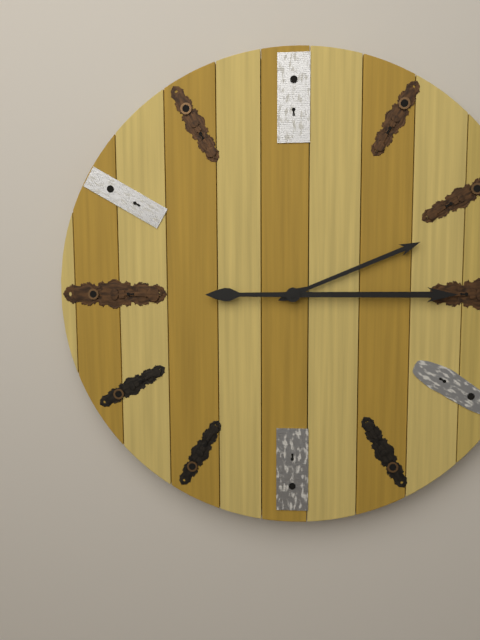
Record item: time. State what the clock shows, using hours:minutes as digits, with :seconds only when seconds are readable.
2:15
